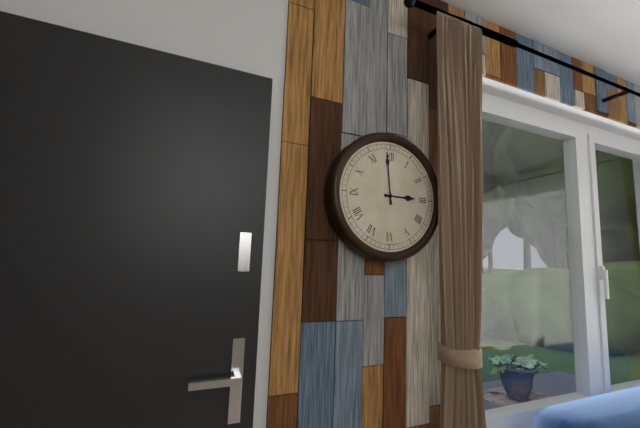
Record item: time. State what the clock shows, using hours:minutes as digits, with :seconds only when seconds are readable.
2:59
